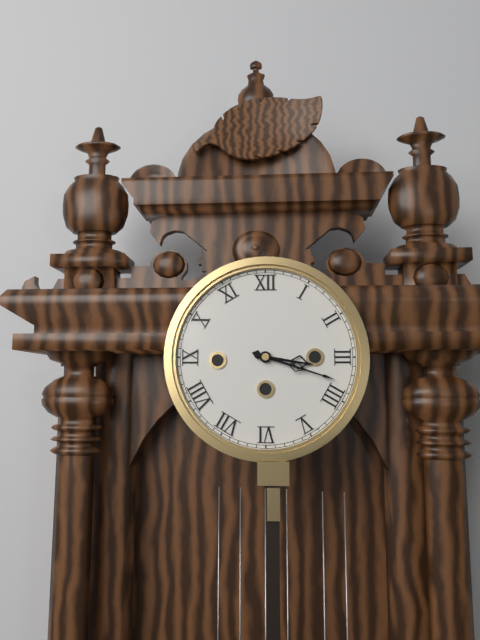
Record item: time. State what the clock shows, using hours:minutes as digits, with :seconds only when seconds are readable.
3:18
